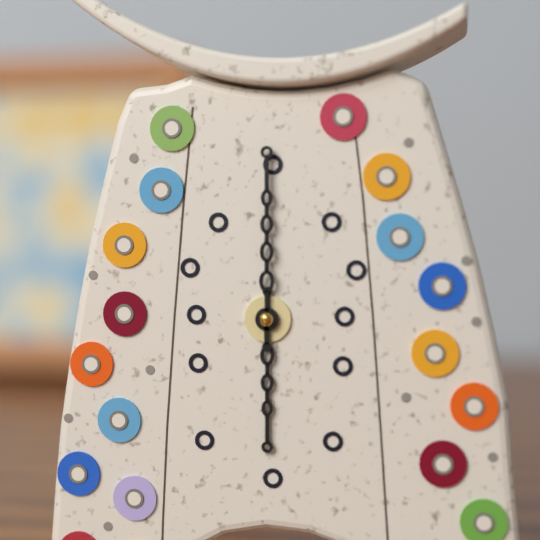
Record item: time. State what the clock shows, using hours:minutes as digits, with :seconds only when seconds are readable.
6:00
